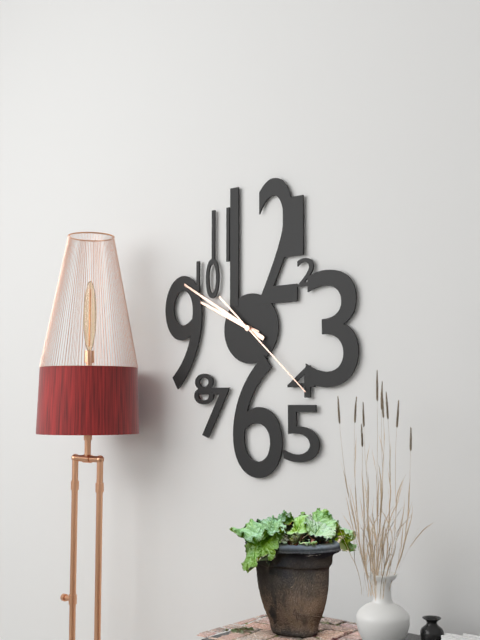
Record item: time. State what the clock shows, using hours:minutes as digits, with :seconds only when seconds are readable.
9:50:22
